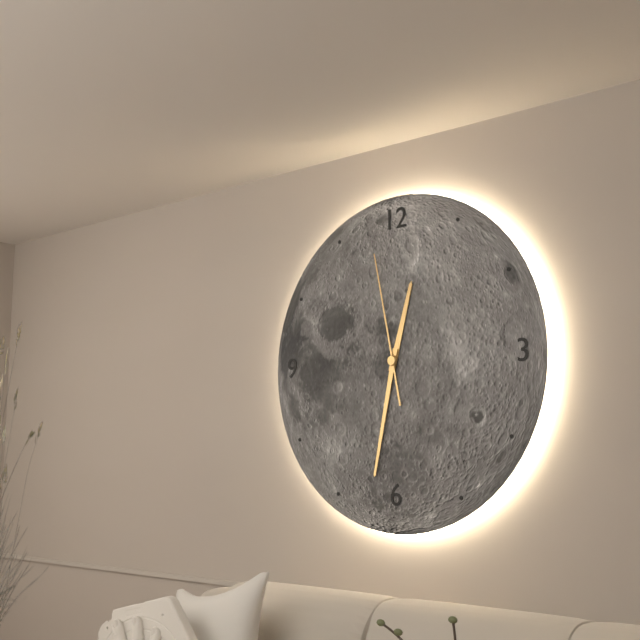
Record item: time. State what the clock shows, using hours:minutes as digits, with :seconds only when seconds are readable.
12:32:58
